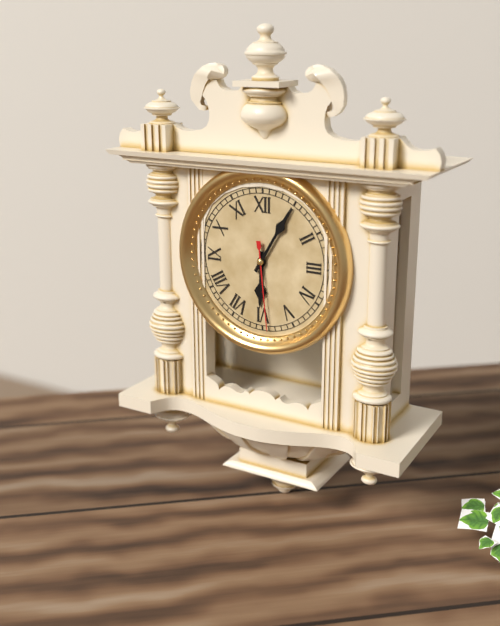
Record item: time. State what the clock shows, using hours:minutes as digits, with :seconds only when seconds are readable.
6:05:29
